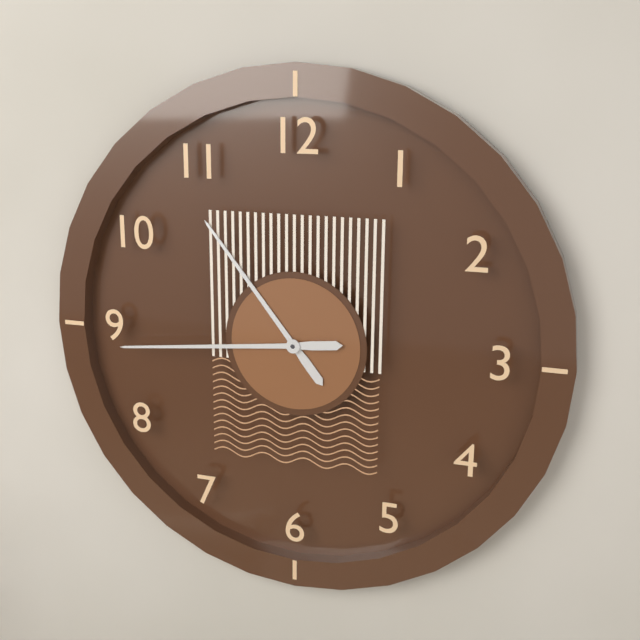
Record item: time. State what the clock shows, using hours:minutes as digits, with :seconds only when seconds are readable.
10:44
